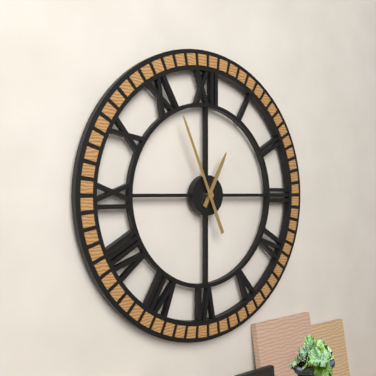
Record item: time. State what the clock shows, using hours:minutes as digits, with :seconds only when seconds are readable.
12:56
